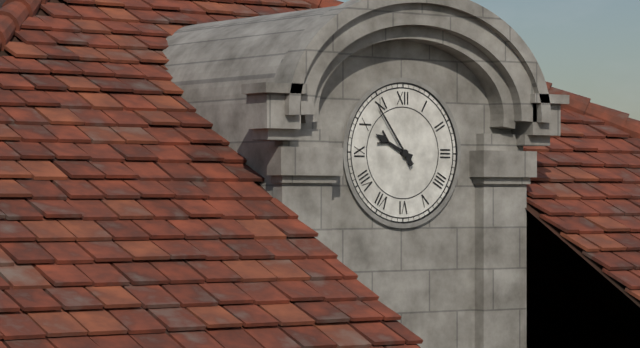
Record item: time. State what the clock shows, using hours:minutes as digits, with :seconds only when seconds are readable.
9:54
